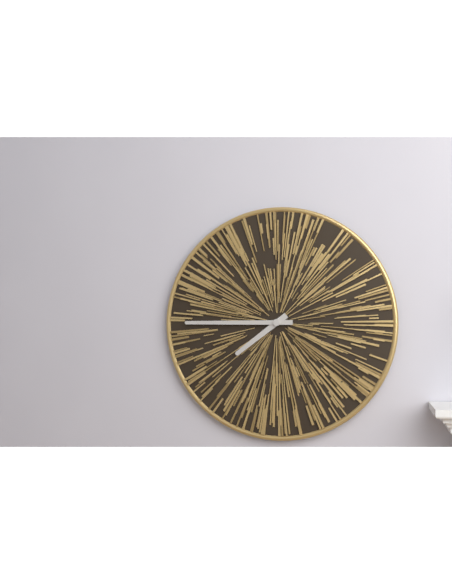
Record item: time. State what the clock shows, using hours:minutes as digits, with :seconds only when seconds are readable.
7:45
